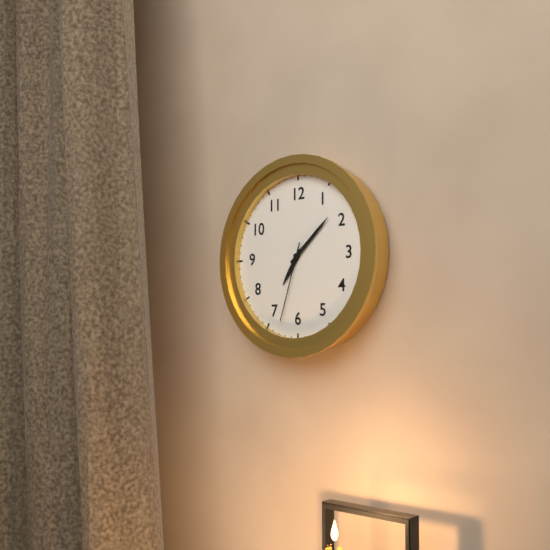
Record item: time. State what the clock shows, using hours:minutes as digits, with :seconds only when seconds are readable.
7:08:33
